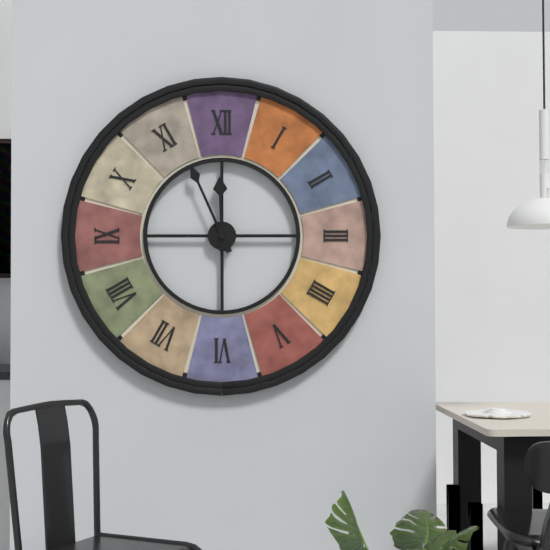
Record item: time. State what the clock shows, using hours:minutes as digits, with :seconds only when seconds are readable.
11:56
